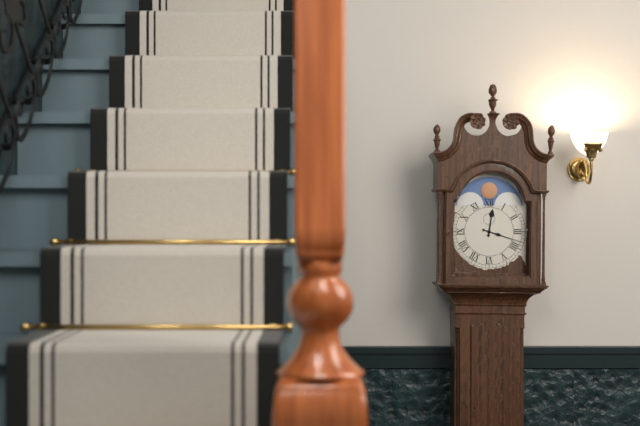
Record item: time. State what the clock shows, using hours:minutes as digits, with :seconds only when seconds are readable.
12:18
